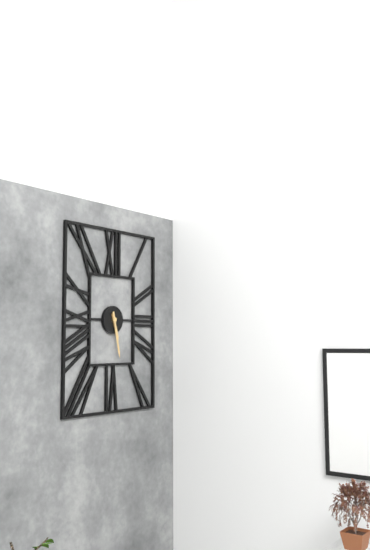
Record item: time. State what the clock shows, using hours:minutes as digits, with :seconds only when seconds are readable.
5:28
